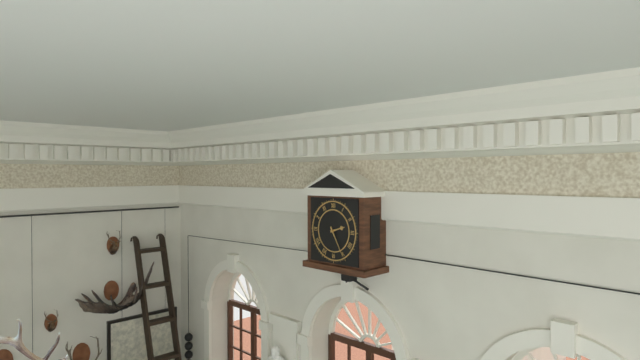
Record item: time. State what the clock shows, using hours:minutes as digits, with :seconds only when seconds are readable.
2:25
